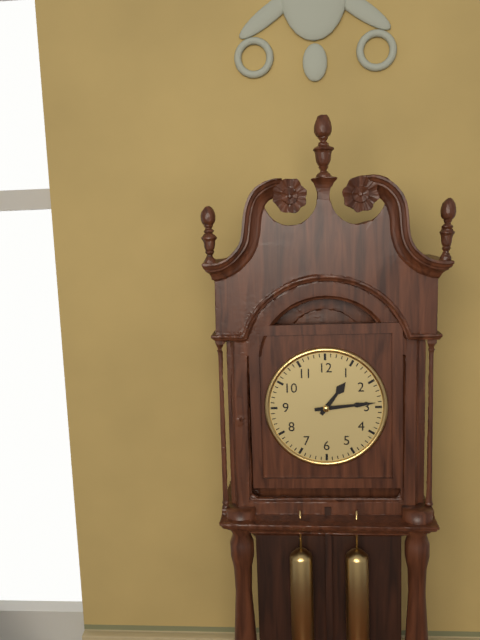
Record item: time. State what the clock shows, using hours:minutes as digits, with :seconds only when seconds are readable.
1:14
